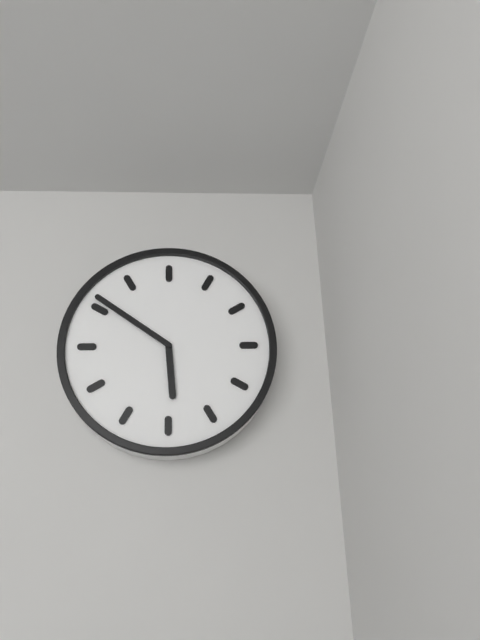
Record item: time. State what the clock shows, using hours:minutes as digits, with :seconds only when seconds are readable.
5:51
